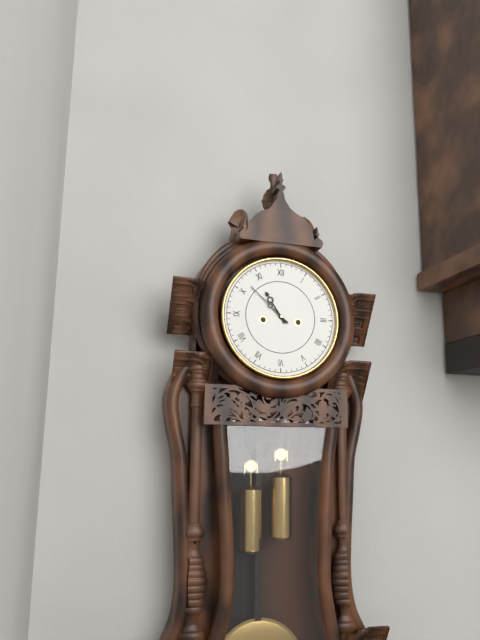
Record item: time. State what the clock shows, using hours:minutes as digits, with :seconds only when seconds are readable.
10:52
